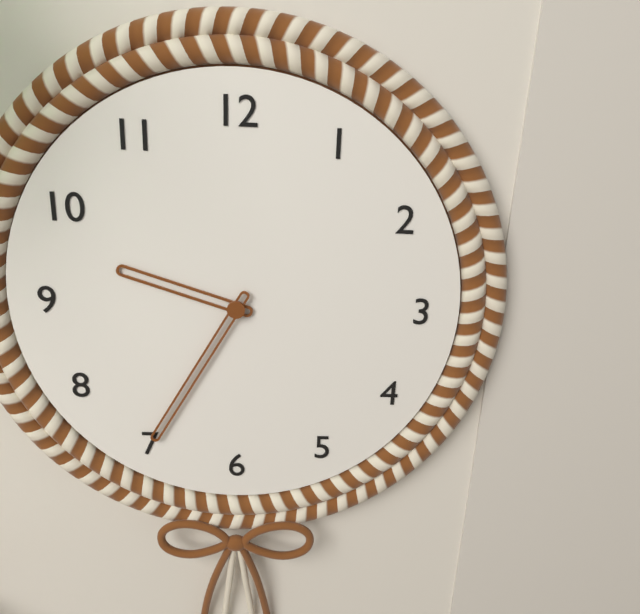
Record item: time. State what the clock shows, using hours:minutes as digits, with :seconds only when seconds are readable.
9:35
